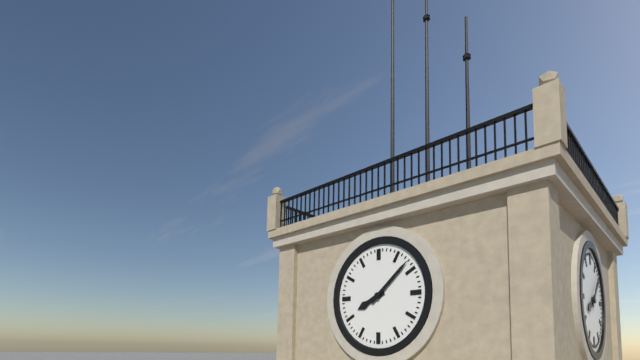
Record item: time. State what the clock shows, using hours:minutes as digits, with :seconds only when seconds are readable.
8:08
